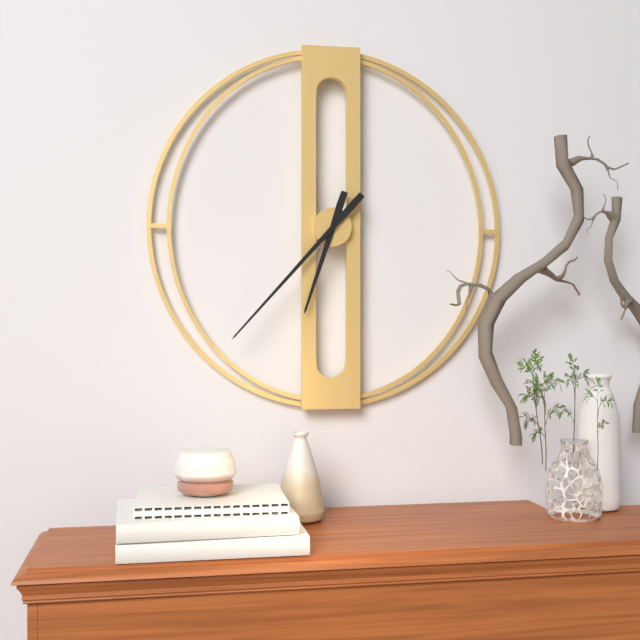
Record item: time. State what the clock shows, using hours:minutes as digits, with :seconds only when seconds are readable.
6:37
